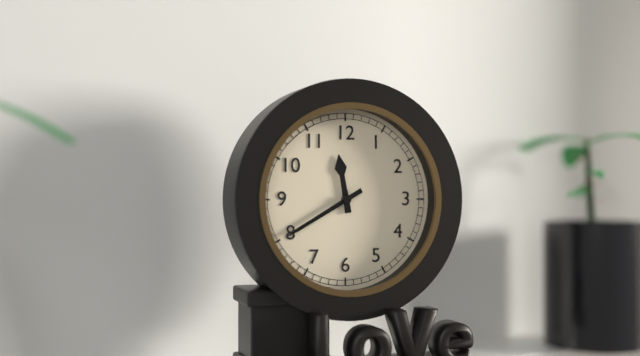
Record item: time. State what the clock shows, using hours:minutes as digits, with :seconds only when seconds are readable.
11:40
